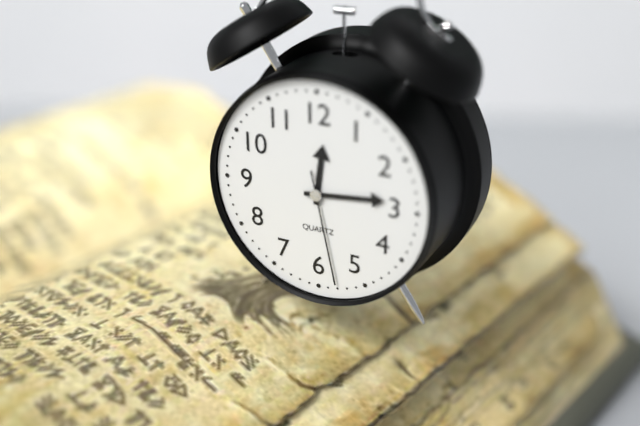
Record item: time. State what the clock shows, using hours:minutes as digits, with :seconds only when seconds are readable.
12:14:28
